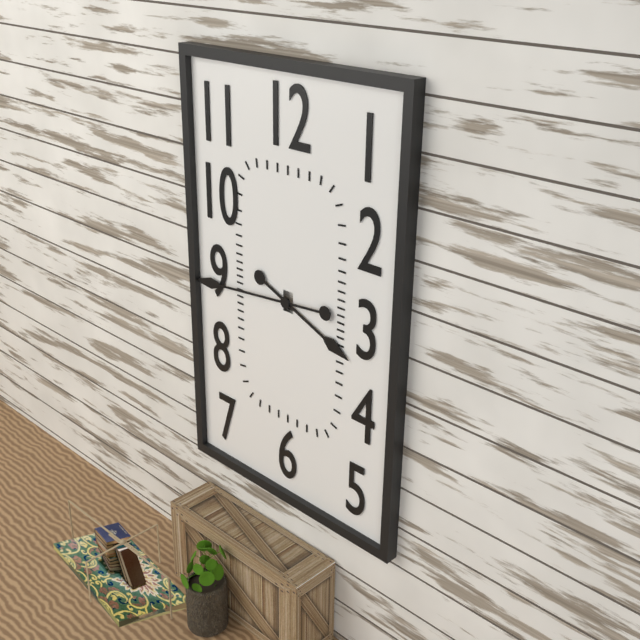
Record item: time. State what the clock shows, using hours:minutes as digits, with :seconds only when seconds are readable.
3:44
